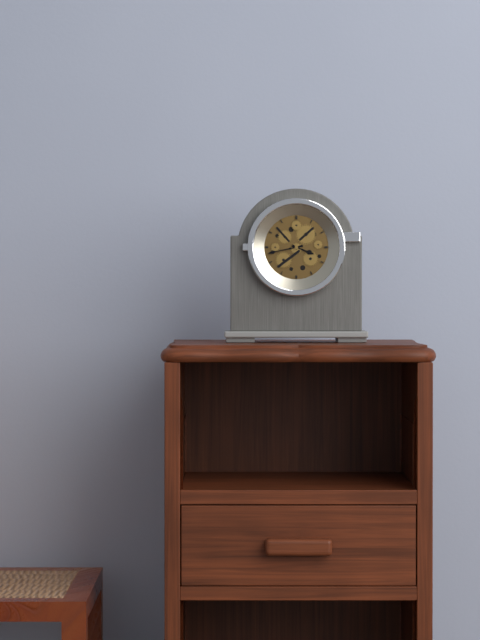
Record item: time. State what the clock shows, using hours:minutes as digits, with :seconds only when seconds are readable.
3:43
